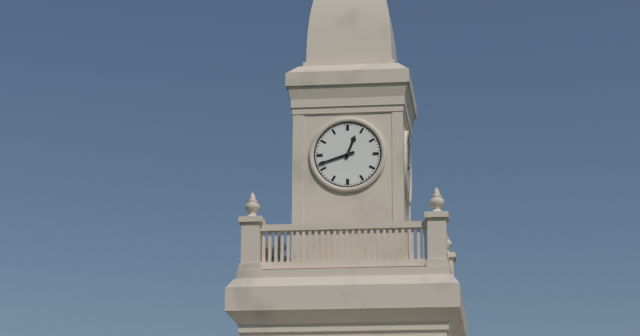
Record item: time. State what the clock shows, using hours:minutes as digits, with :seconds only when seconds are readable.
12:42
